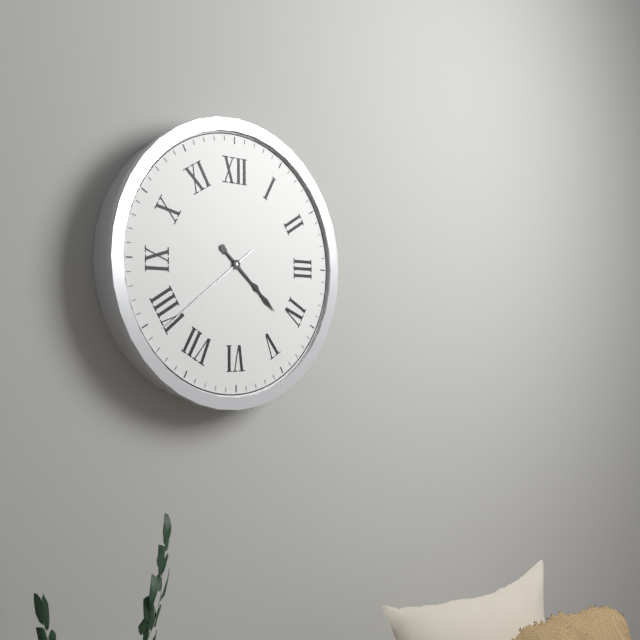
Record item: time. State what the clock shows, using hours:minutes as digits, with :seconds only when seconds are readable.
4:22:39
